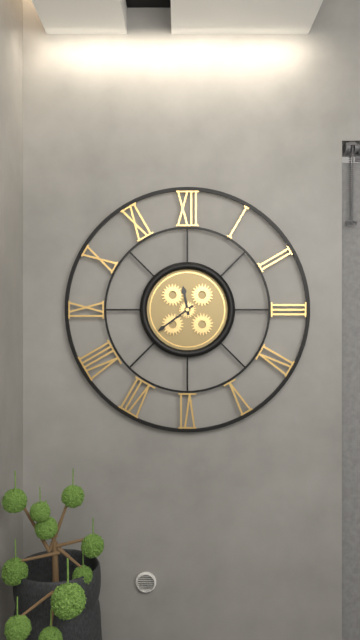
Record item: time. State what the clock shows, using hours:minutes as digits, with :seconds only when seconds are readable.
11:39
